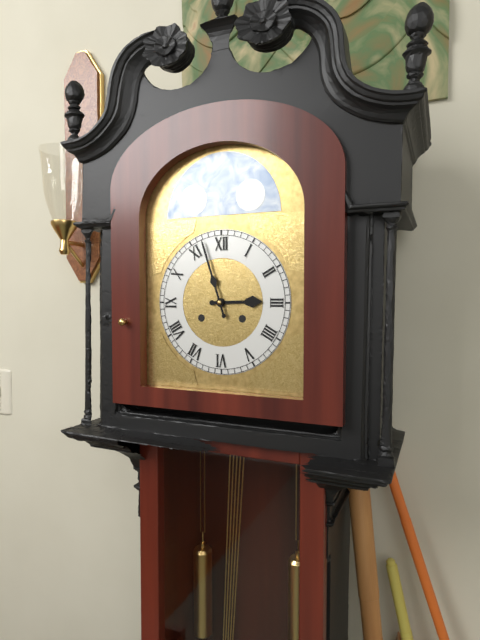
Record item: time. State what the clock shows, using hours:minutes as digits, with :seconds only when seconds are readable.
2:57
